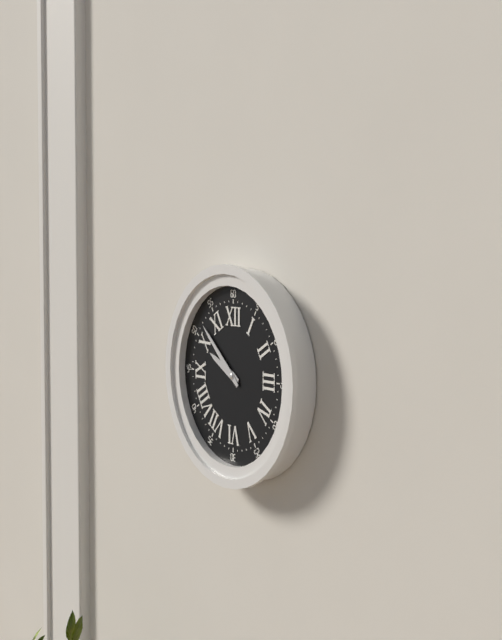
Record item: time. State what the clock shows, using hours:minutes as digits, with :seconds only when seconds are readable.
9:52
